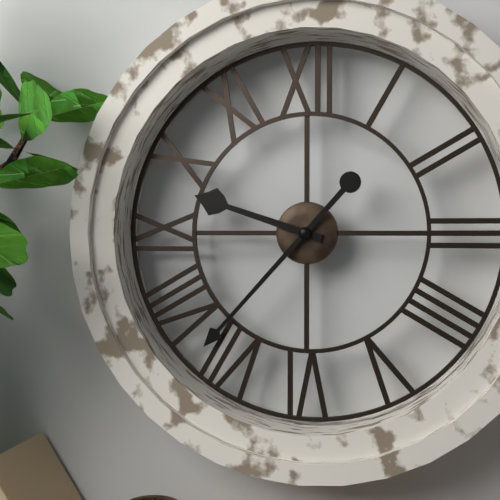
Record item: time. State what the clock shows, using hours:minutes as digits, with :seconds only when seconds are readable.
9:37
